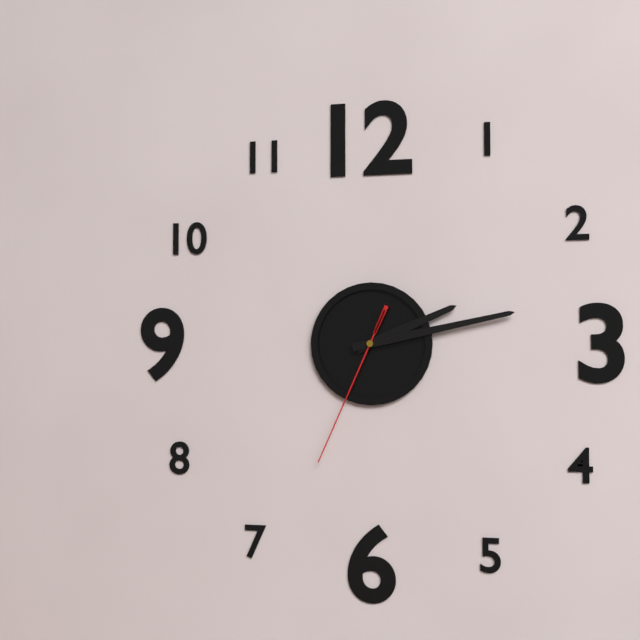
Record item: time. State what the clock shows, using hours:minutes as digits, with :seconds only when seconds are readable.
2:13:34
